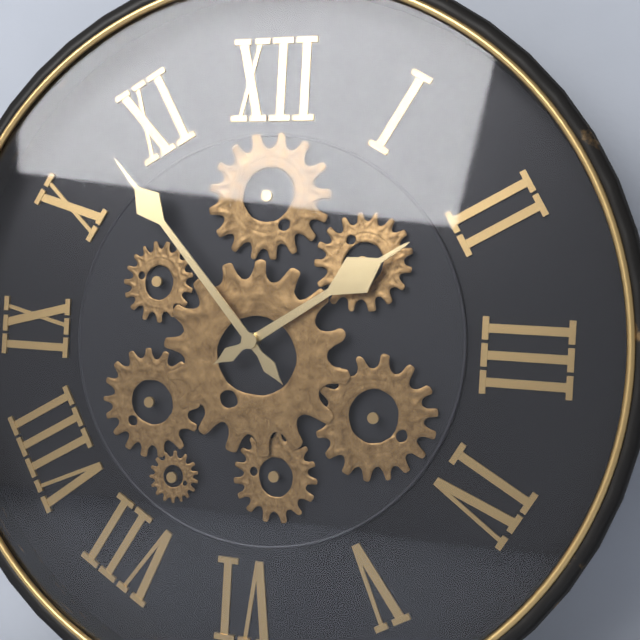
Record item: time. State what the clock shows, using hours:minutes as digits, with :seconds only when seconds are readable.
1:53
